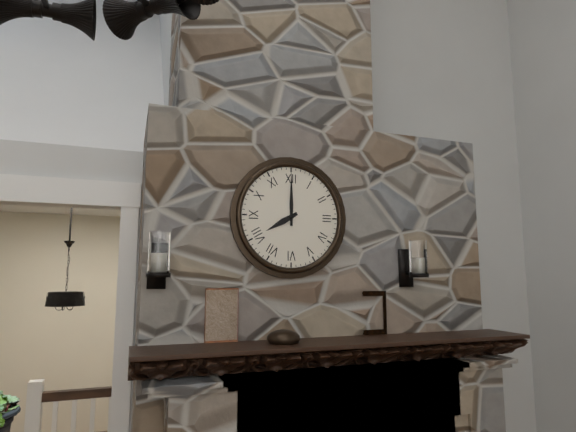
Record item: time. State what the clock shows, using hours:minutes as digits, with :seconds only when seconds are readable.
8:00
